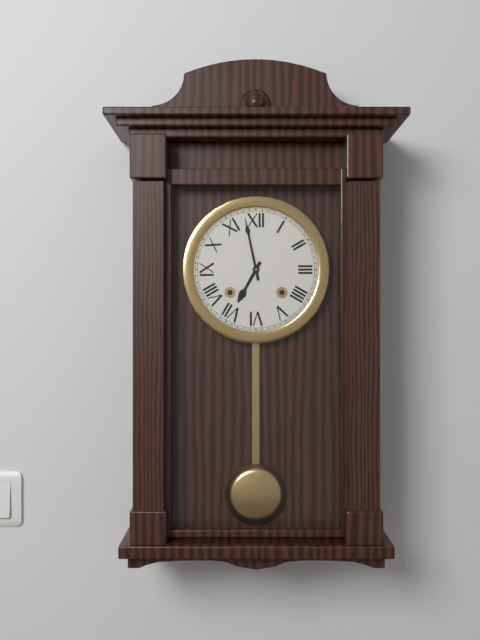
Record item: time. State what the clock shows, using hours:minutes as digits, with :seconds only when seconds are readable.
6:58
